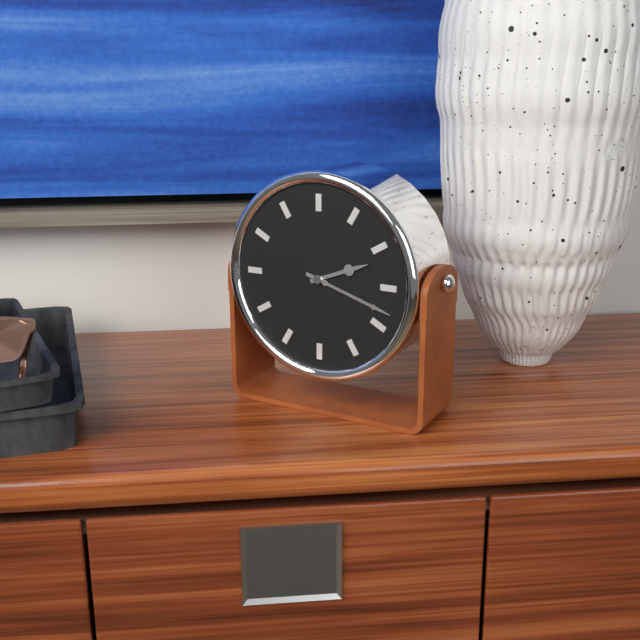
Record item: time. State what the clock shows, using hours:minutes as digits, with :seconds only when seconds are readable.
2:18
